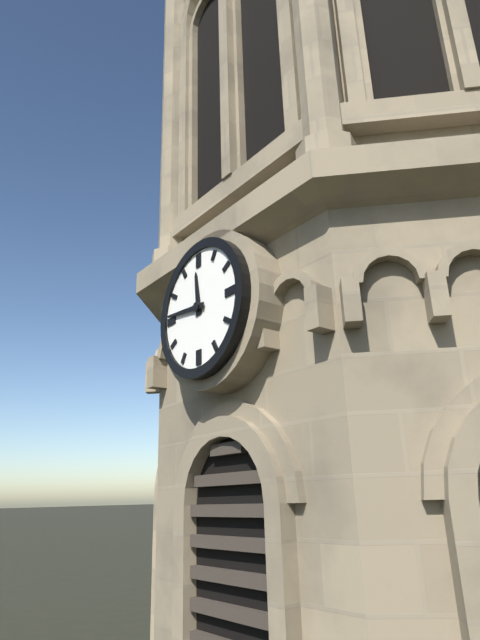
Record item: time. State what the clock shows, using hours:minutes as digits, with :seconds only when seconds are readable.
11:46
